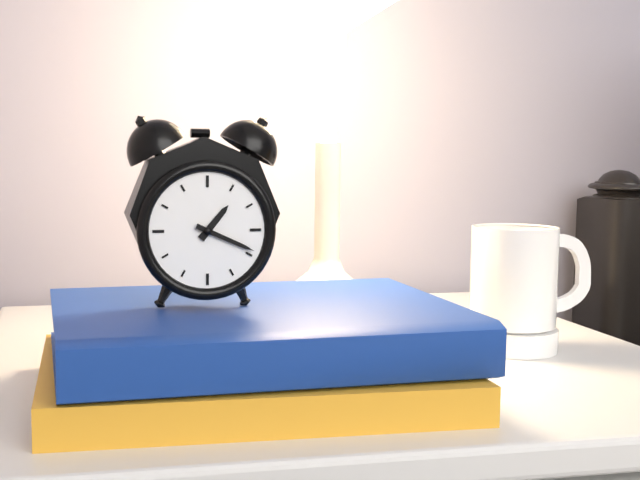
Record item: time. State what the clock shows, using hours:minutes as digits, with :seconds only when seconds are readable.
1:19
